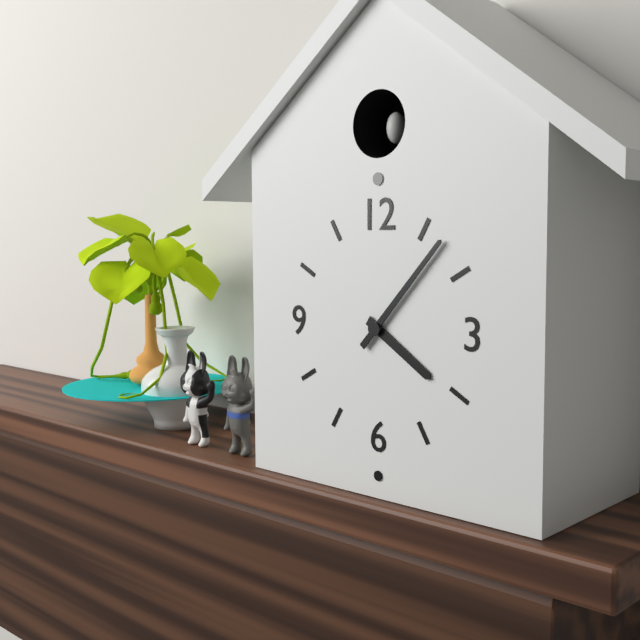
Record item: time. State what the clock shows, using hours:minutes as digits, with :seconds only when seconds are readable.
4:07
